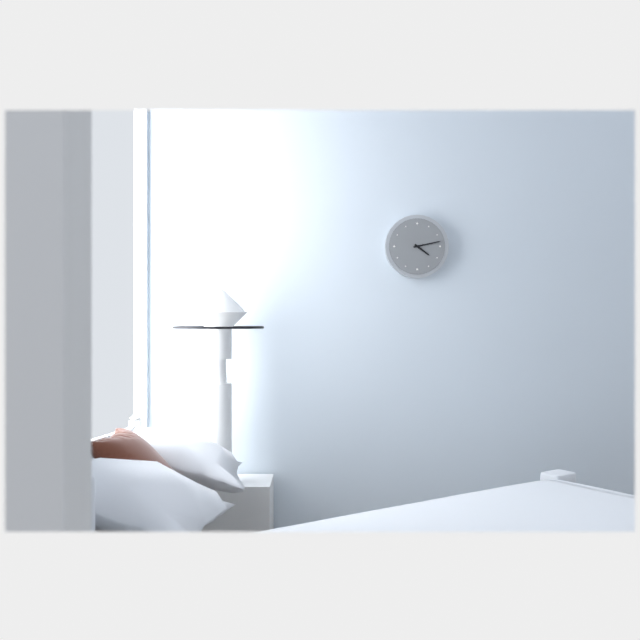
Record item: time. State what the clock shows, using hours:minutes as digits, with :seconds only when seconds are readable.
4:13
